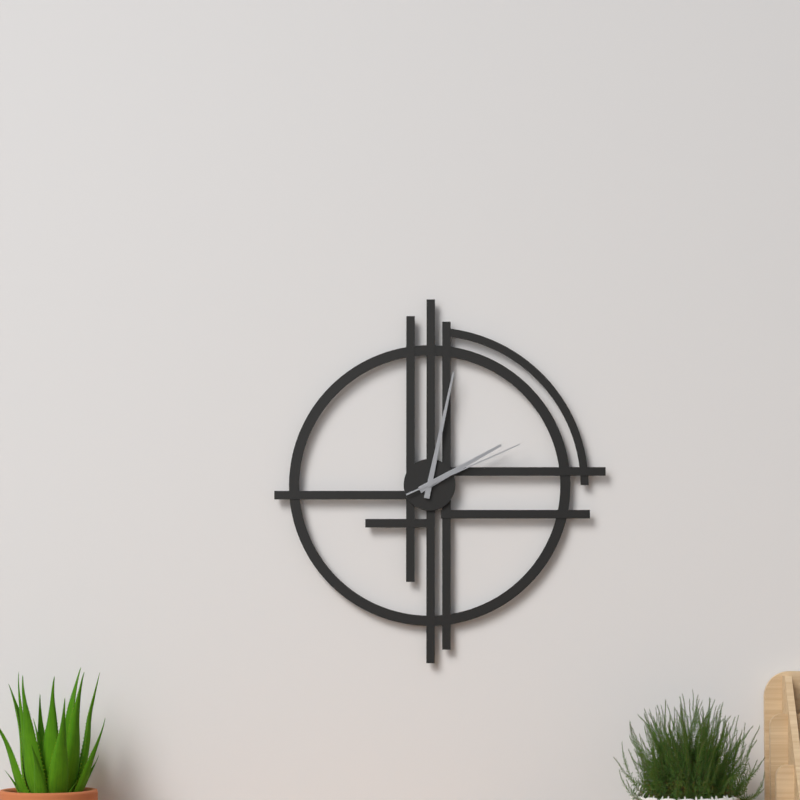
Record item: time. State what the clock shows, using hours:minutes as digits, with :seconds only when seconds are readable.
2:02:11
